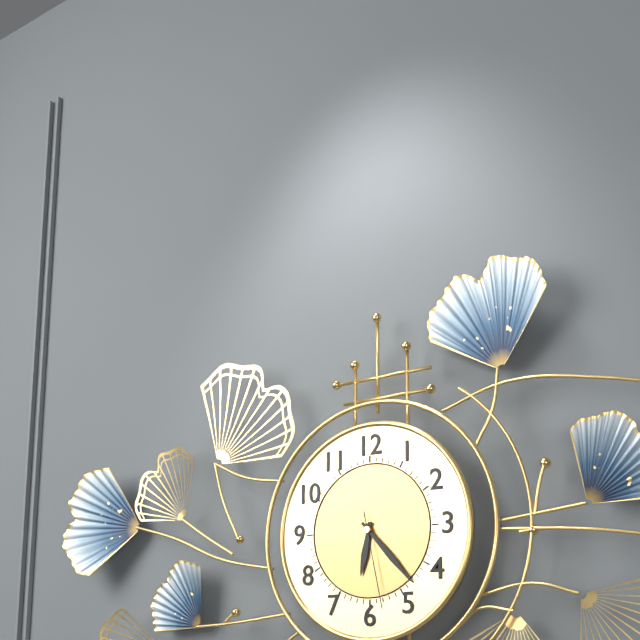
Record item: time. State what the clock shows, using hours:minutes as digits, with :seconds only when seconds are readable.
6:23:28
